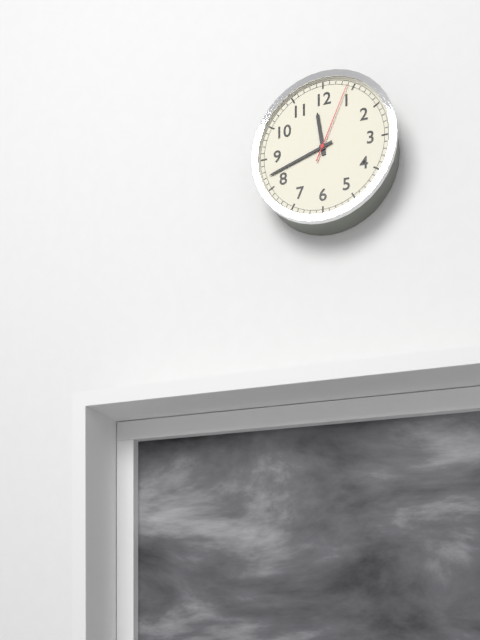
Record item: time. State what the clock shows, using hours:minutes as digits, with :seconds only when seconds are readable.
11:42:04
